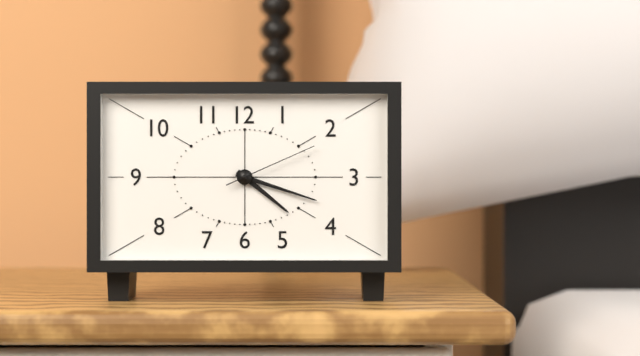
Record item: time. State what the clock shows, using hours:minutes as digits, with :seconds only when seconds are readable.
4:18:11
